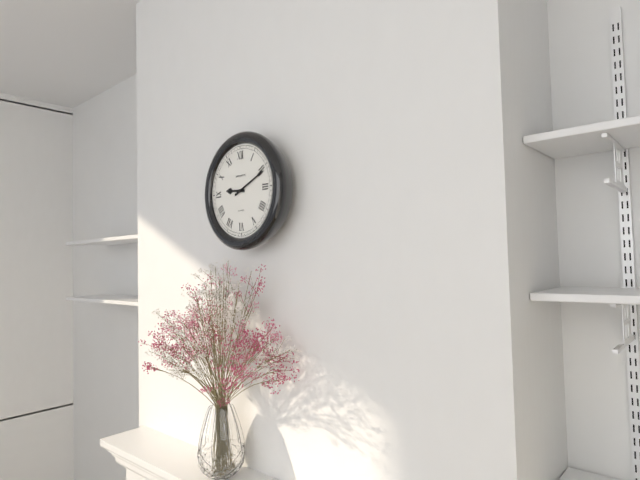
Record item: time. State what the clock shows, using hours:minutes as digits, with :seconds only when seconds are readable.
9:11
